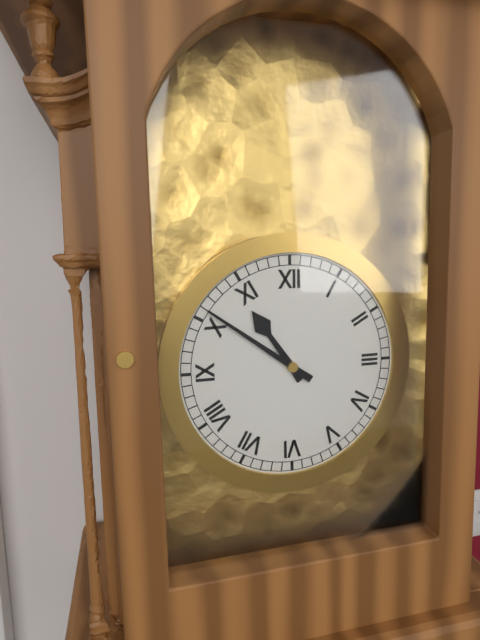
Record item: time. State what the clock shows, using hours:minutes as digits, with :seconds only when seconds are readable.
10:51
